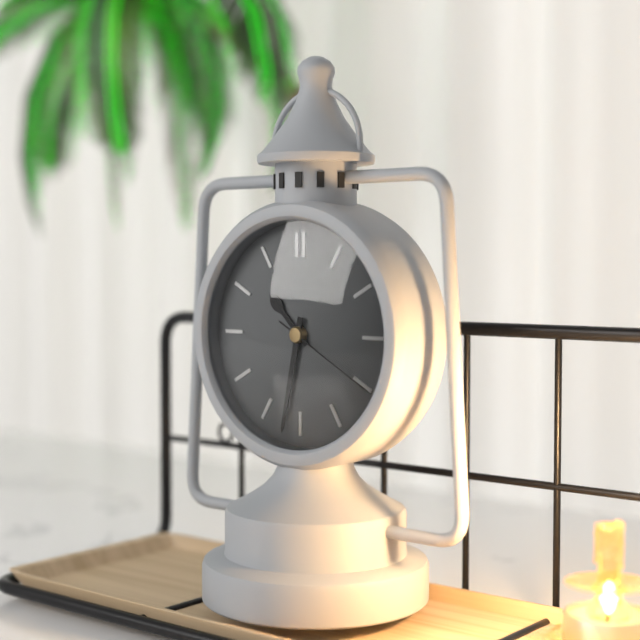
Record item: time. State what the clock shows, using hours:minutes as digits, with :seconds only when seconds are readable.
10:32:20
